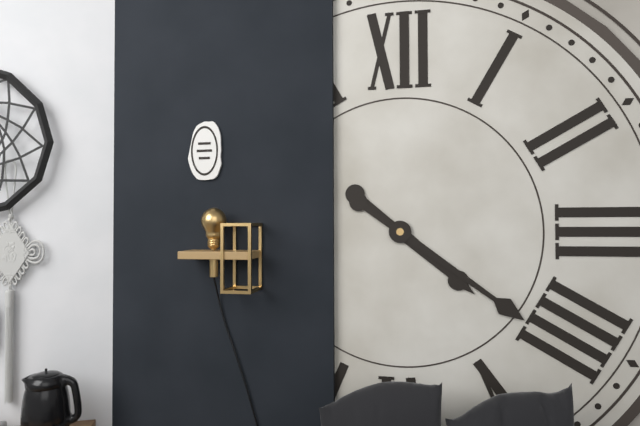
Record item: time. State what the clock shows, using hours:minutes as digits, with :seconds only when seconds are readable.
4:21
